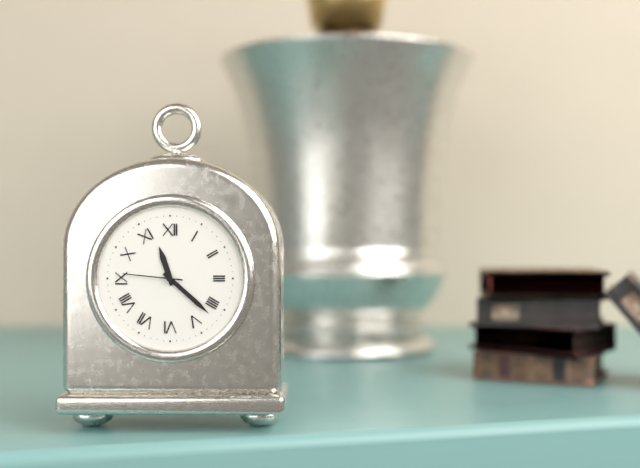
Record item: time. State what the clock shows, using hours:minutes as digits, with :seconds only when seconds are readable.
11:22:46
